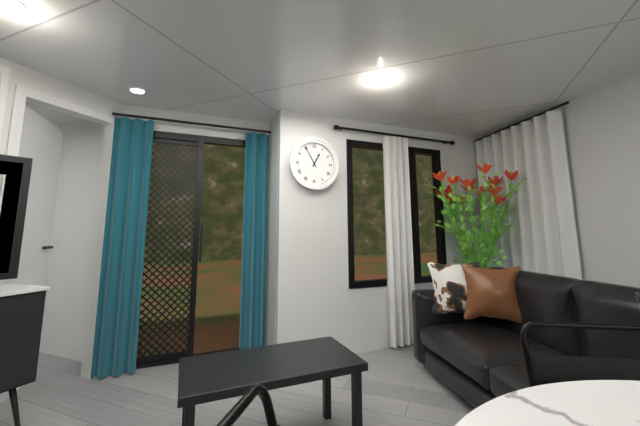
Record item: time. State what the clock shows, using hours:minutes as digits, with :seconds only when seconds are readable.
12:55
